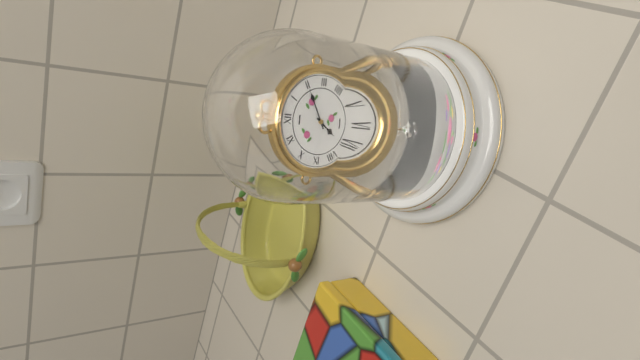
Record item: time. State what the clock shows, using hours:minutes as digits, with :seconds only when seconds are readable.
7:10
